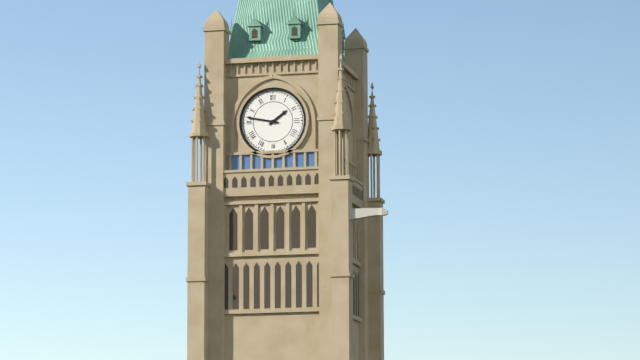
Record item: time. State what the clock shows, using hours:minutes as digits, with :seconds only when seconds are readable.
1:47
